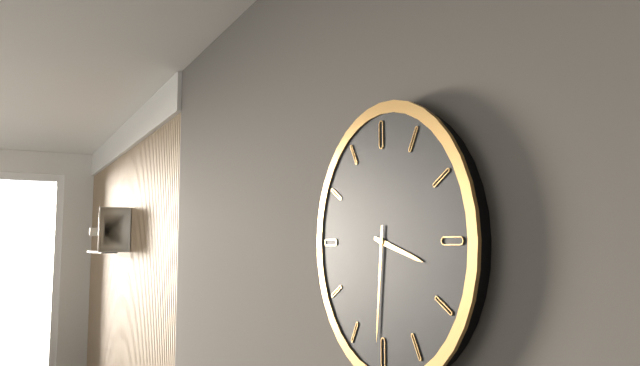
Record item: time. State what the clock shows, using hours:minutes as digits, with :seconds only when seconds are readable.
3:31
